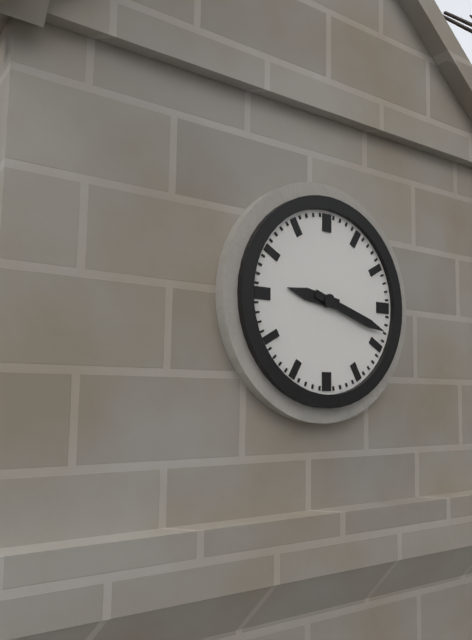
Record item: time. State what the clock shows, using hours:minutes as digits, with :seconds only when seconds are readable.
9:18
